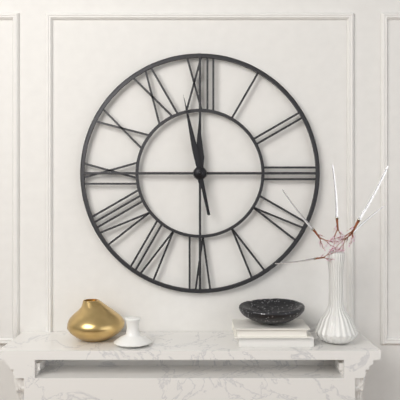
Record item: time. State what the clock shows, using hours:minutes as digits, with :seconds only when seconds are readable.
11:58
